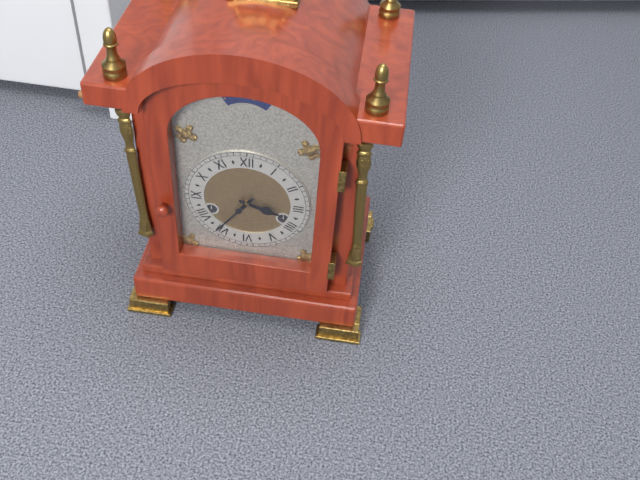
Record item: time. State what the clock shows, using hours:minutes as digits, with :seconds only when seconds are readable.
3:36
